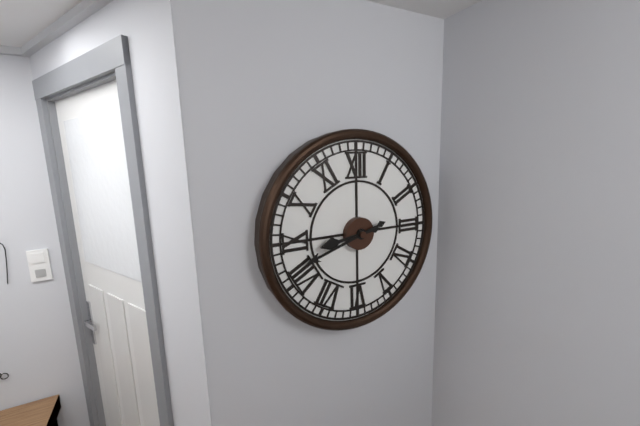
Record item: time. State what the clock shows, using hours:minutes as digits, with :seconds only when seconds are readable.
8:42
